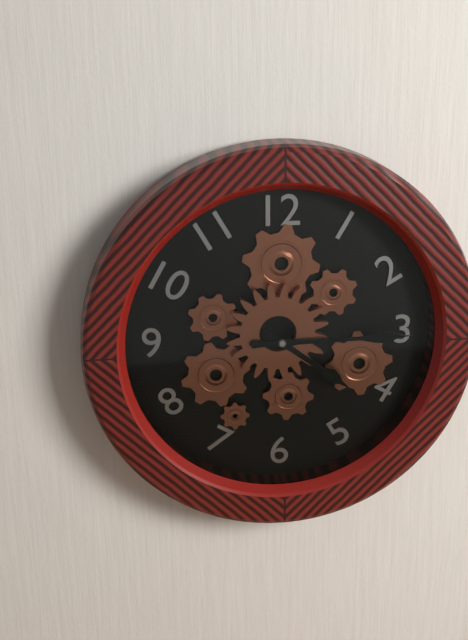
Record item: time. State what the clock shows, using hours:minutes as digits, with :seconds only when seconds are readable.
4:15
